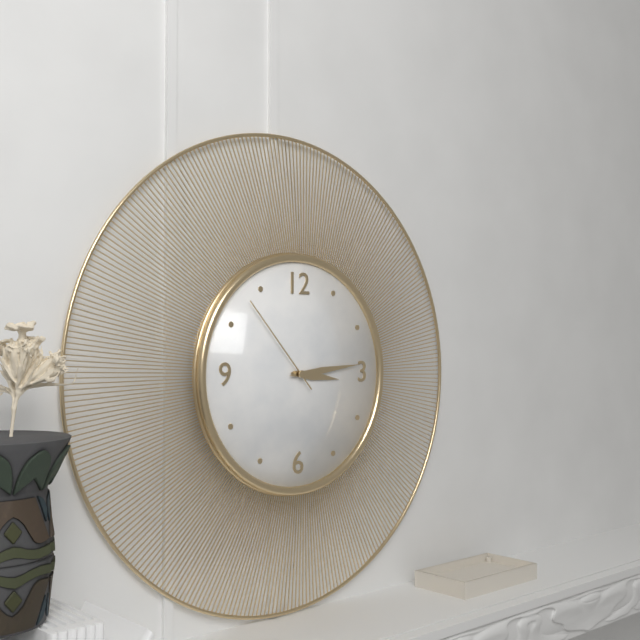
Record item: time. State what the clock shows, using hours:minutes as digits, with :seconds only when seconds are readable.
3:14:53
